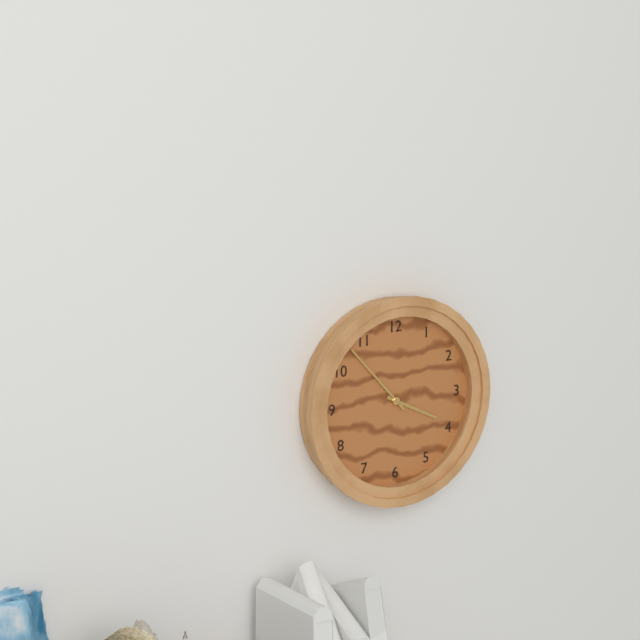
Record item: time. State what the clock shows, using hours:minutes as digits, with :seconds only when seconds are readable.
3:53
